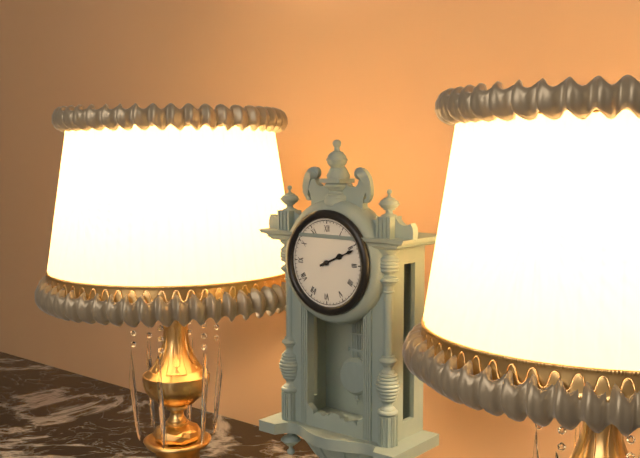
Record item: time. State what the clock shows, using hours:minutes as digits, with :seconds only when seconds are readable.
2:11
